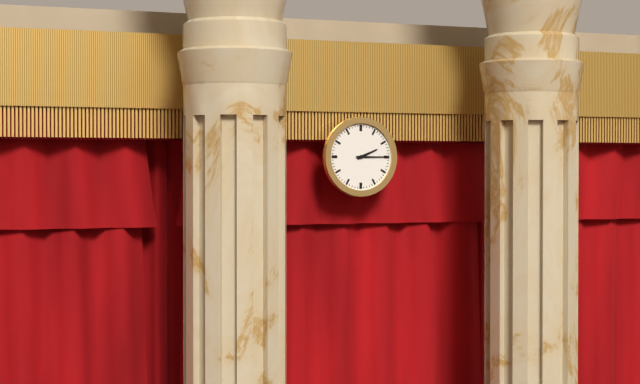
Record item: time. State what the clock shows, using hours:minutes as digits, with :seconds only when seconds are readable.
2:15
